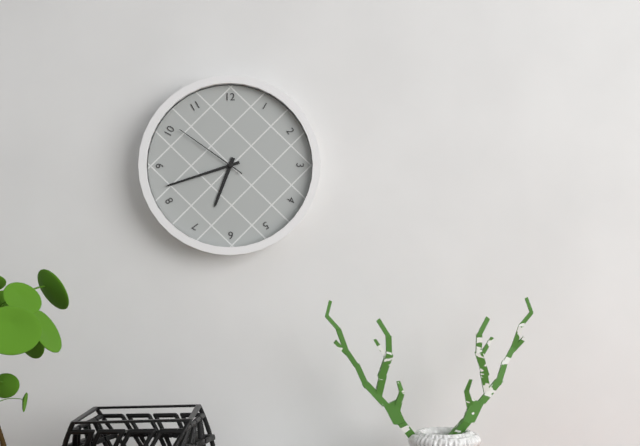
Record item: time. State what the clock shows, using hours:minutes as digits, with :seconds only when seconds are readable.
6:42:51
